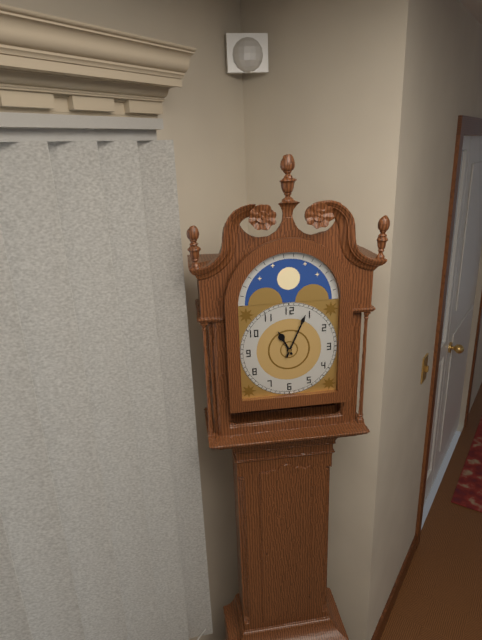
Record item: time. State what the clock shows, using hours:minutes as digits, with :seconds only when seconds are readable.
11:04
